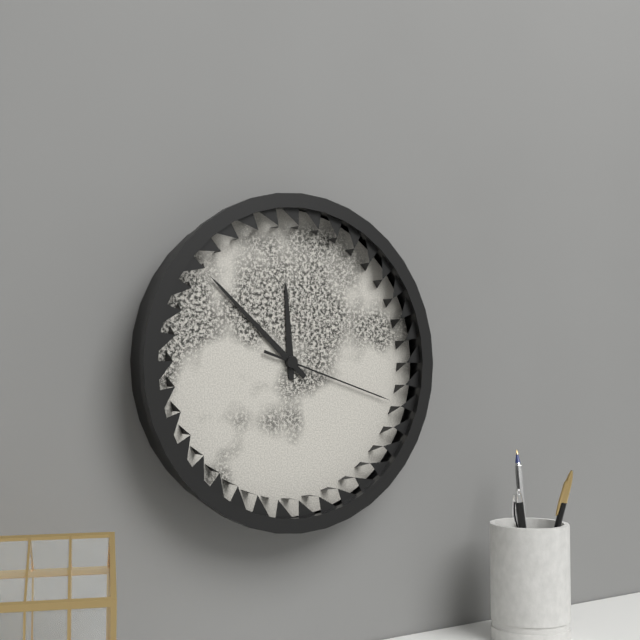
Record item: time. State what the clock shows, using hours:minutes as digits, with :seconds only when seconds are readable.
11:52:18
